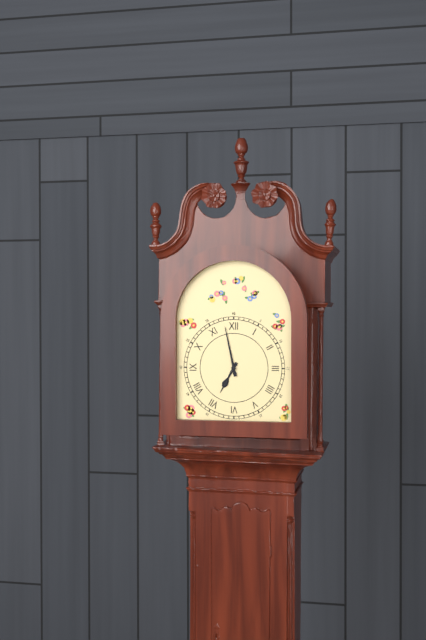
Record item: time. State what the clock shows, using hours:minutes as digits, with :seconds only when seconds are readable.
6:58
